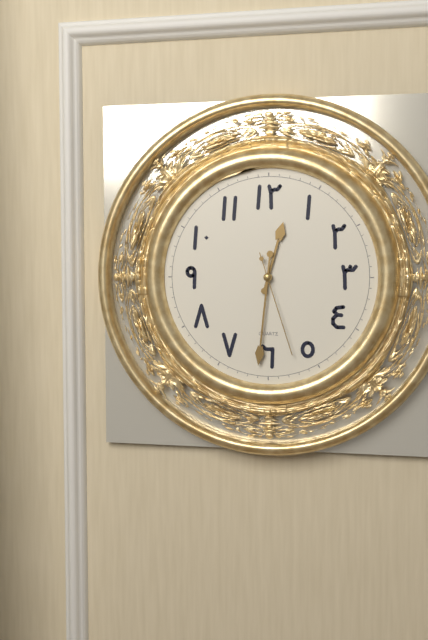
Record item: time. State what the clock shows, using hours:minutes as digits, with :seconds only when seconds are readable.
12:31:27
